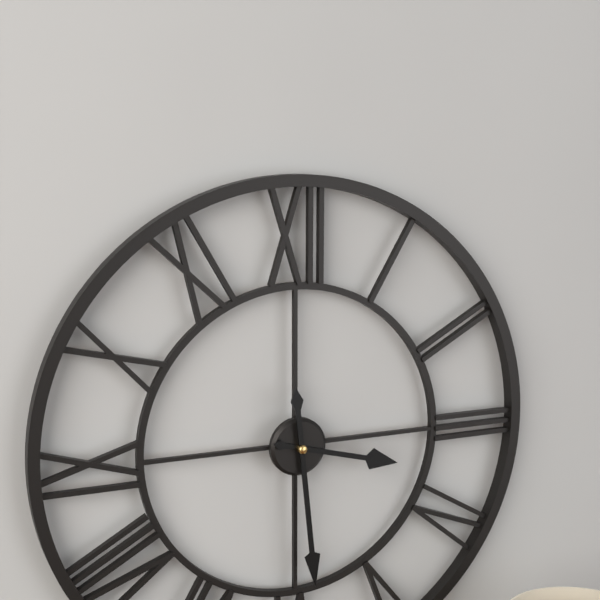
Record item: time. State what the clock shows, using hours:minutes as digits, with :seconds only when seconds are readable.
3:29
